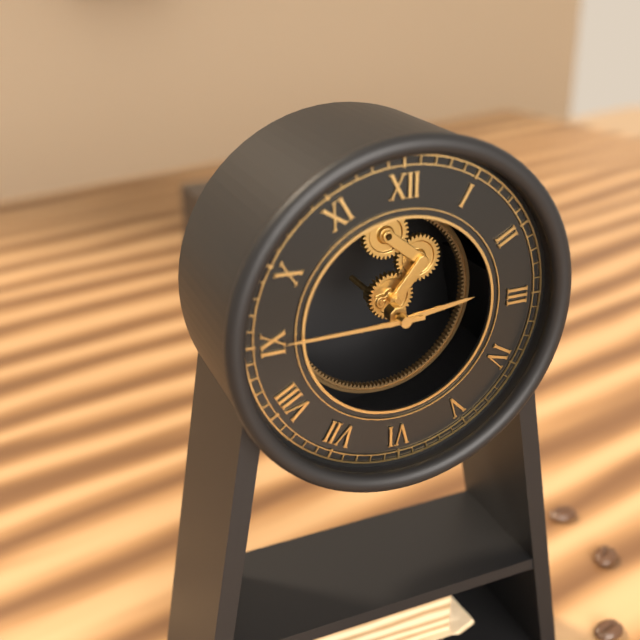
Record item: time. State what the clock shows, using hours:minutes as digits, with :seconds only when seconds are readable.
2:45
